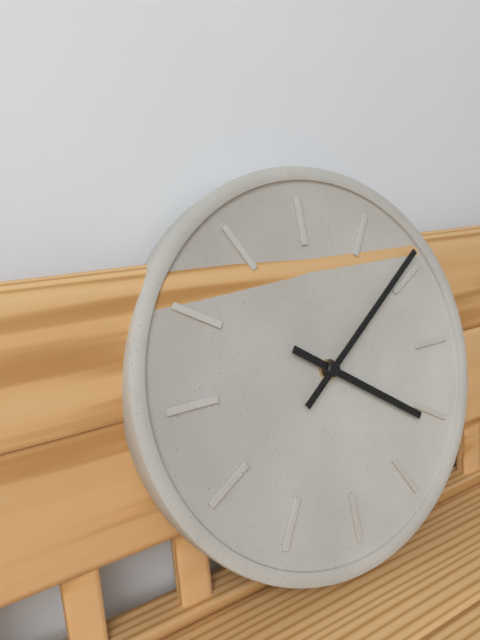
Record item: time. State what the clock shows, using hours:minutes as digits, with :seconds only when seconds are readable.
4:09
